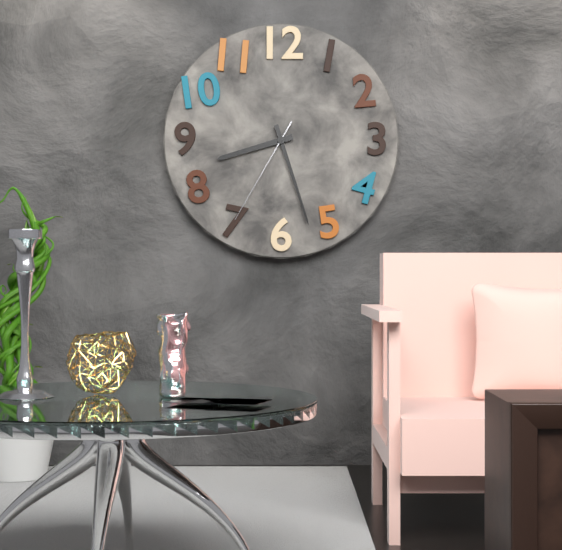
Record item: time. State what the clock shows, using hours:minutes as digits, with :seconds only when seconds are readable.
8:27:35
